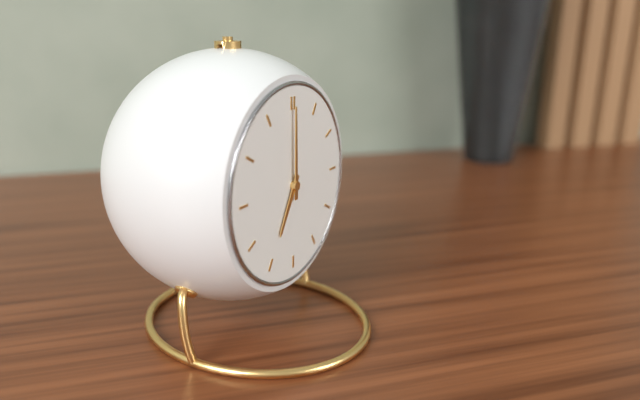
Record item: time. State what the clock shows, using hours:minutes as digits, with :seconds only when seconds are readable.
7:00
